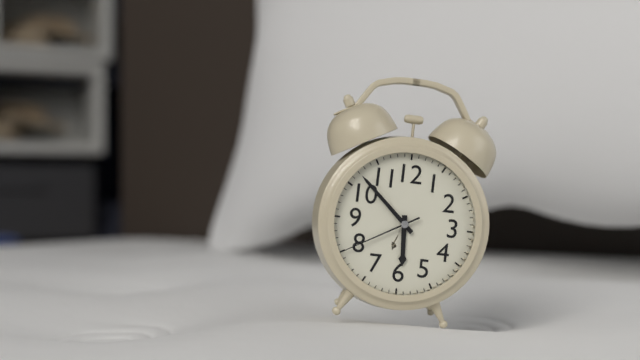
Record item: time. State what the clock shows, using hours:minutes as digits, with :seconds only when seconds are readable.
5:52:40
